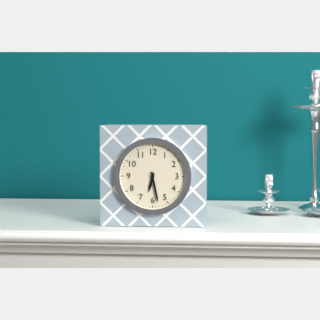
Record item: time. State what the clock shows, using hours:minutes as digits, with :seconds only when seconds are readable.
6:28
